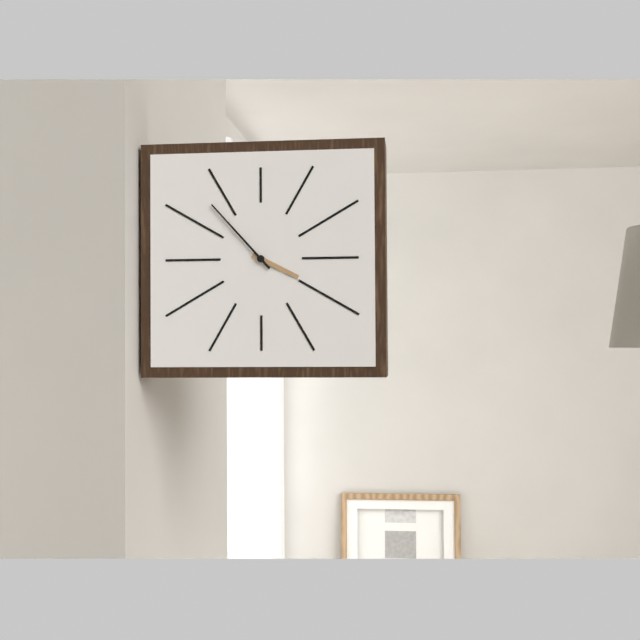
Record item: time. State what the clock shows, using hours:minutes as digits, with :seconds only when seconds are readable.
3:53
